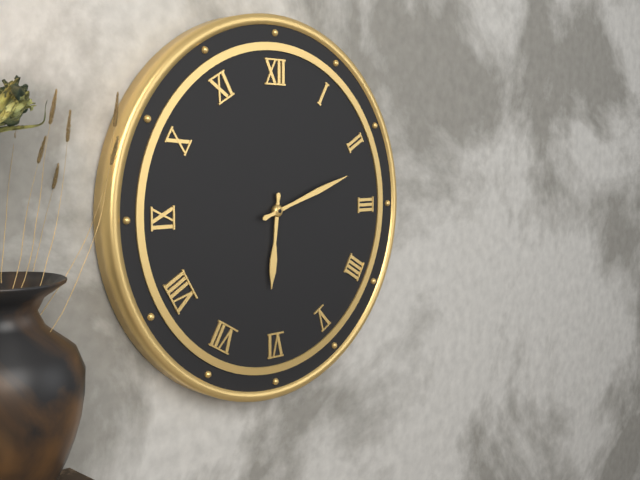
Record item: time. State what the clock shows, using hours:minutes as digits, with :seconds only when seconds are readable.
6:12
